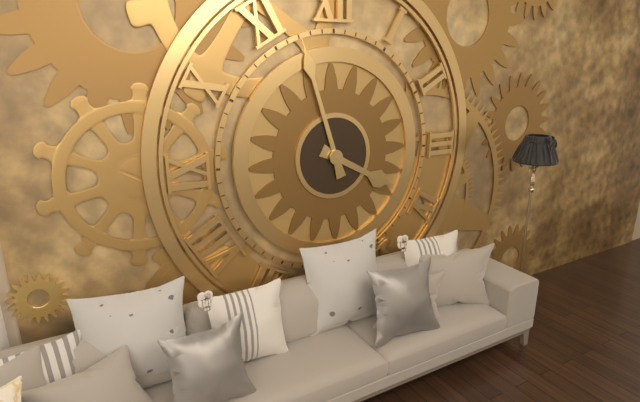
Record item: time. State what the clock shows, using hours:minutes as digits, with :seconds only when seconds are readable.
3:57
